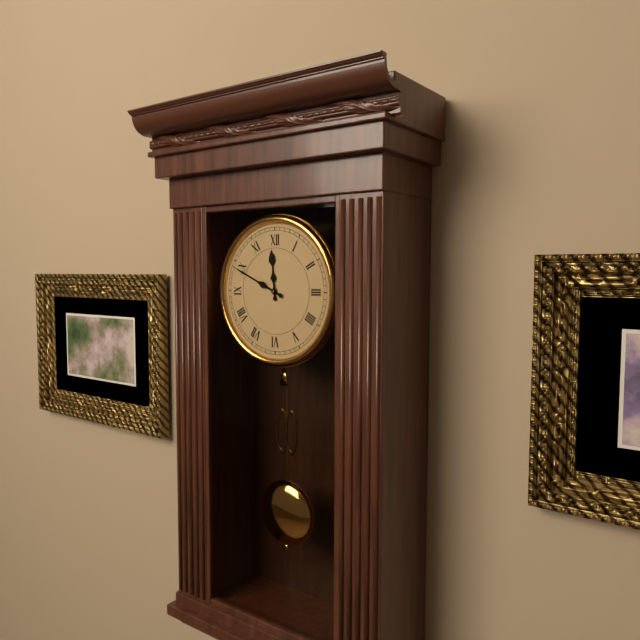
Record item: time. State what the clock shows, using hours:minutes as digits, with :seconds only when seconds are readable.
11:49
